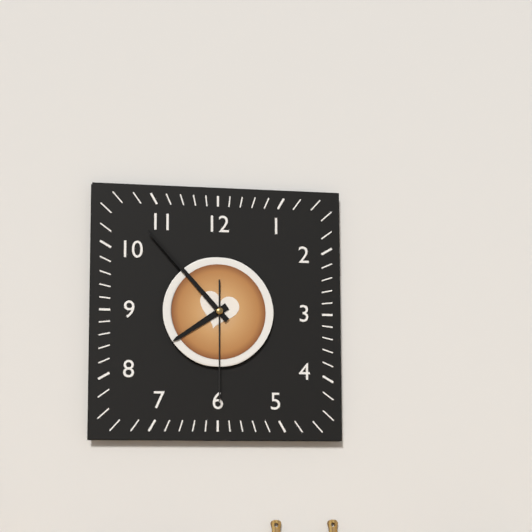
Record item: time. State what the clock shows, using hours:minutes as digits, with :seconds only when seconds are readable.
7:53:30
